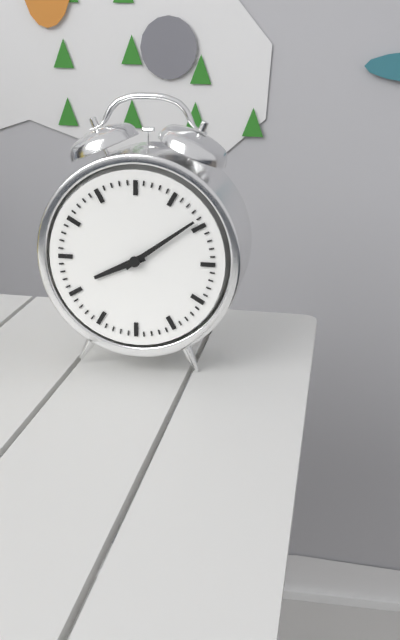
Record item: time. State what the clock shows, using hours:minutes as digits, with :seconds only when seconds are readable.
8:09
